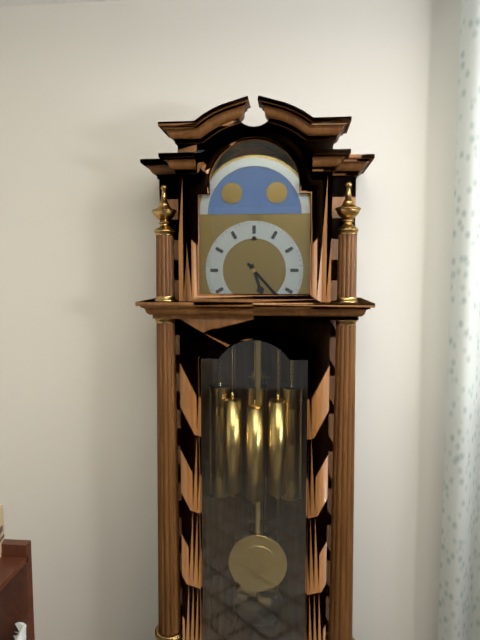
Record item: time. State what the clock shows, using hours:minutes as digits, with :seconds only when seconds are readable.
5:23
